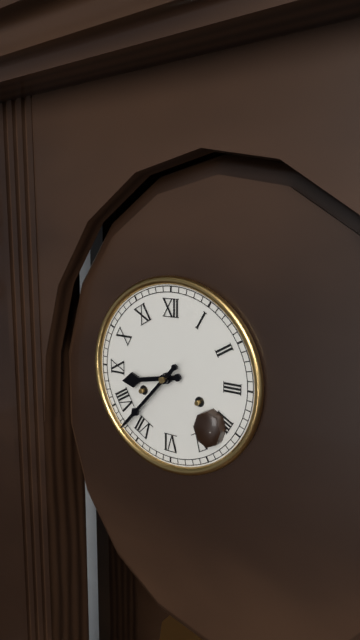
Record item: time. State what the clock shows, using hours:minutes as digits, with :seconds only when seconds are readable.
8:37
